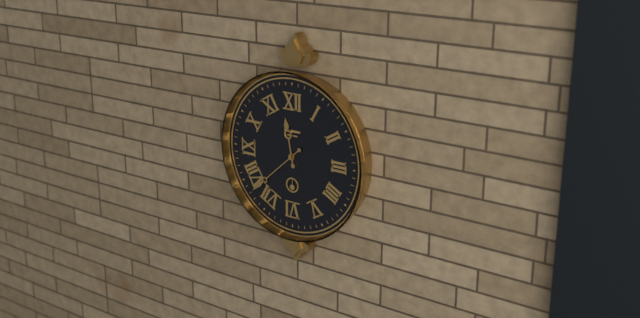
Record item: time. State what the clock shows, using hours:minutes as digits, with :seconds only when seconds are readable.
11:38
